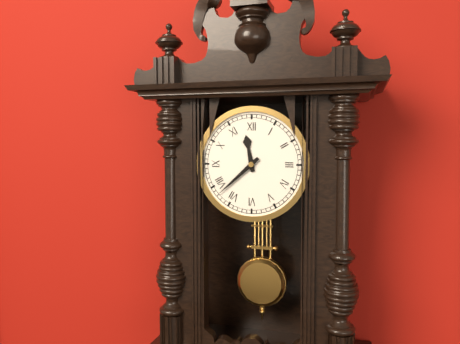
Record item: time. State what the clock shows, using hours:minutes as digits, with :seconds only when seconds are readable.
11:38
